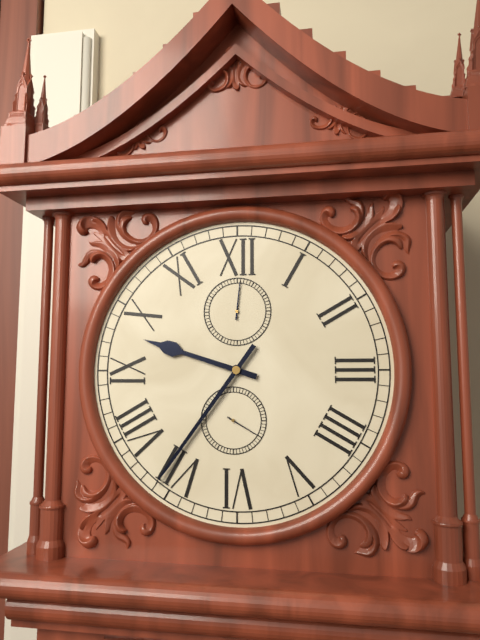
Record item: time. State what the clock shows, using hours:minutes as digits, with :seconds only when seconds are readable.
9:36
